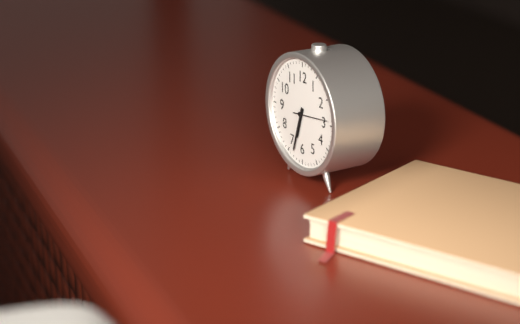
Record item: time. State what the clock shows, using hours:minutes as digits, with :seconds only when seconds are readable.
6:33
